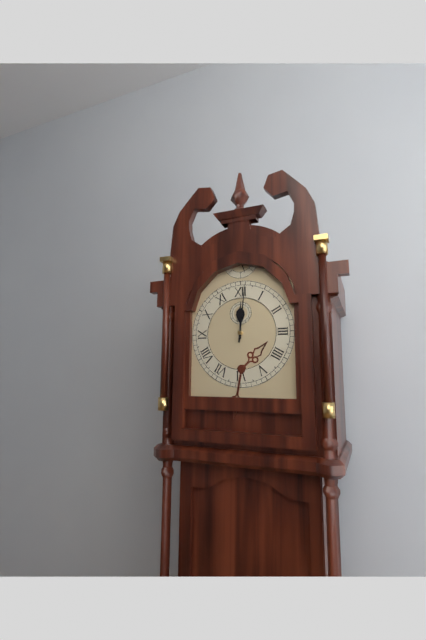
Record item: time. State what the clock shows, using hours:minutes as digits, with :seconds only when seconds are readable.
12:01
